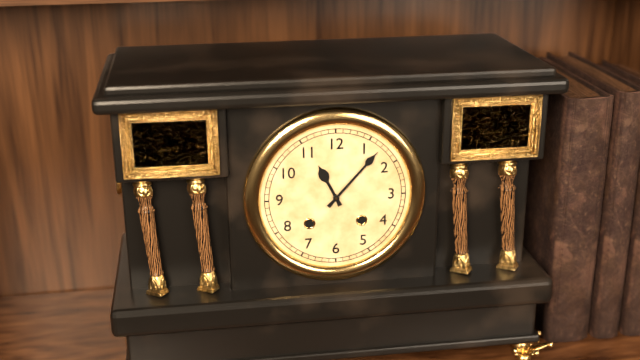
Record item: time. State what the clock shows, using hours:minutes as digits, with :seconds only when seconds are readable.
11:07
